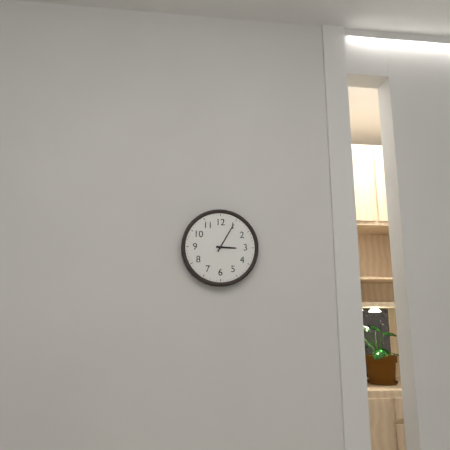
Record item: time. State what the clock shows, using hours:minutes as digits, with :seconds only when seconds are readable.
3:05
